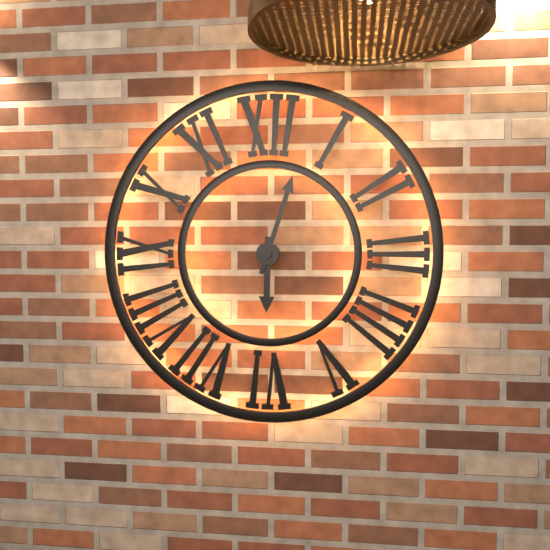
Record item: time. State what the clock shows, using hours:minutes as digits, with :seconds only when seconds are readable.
6:03
